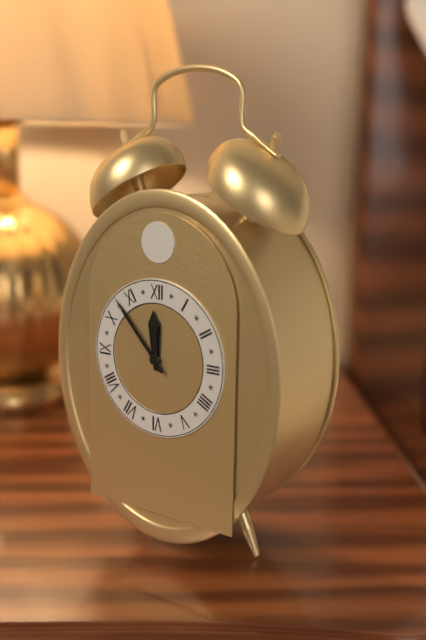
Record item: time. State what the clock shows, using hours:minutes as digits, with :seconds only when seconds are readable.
11:53
